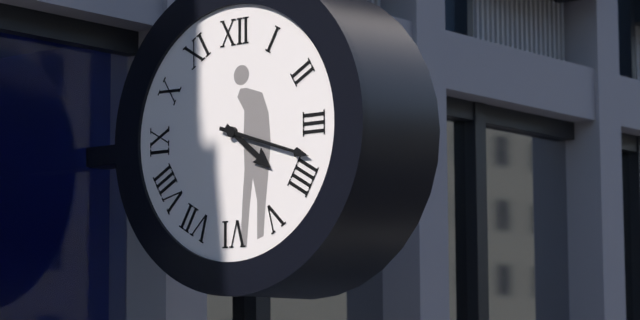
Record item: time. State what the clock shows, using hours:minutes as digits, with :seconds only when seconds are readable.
4:18
